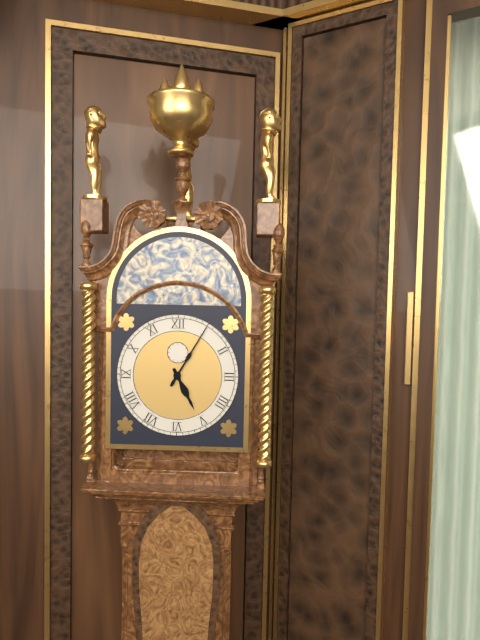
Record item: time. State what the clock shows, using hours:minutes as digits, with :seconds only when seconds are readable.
5:05
